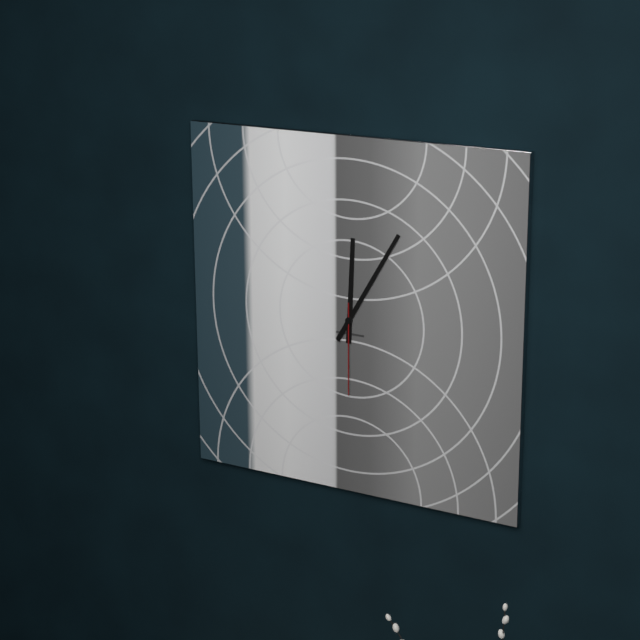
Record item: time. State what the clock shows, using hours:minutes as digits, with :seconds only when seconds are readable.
12:05:30
